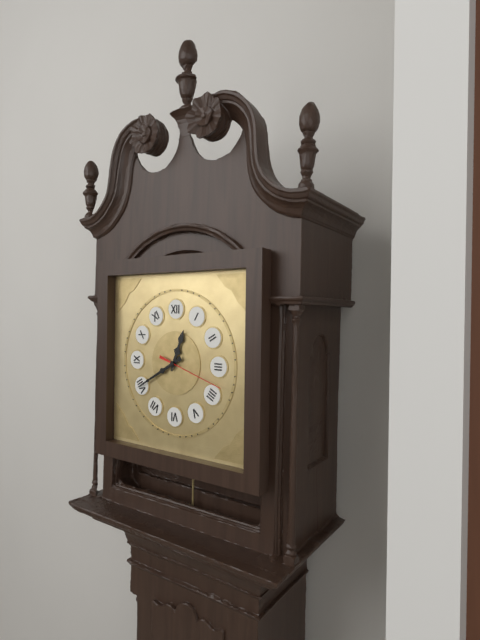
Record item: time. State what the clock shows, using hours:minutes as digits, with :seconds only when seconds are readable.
12:40:18
